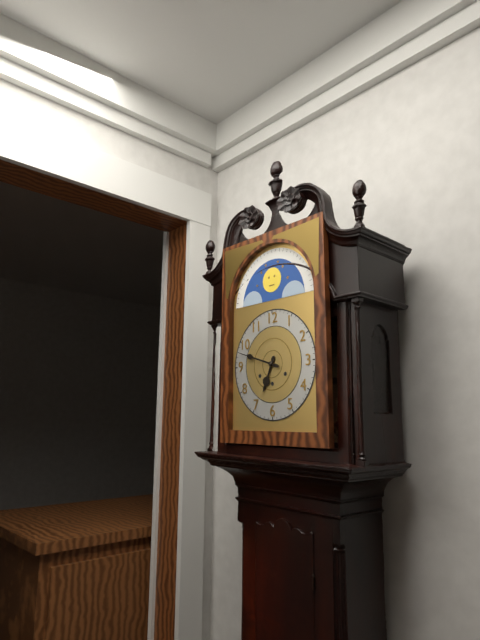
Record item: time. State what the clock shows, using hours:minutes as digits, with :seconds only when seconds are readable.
6:48
